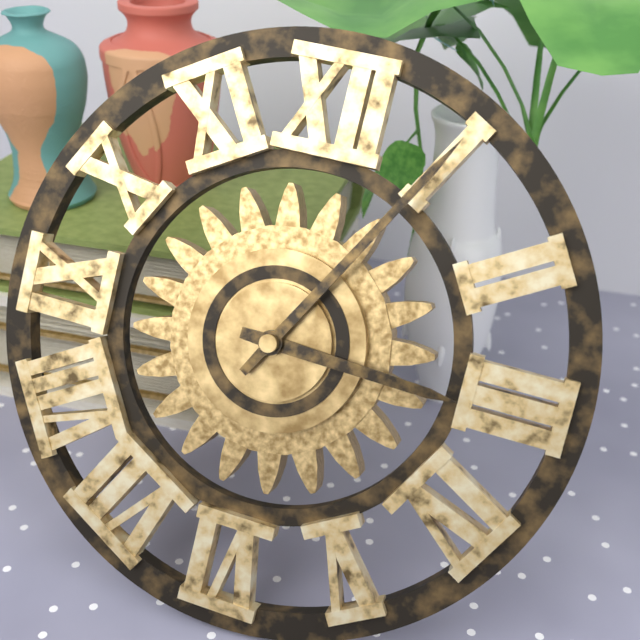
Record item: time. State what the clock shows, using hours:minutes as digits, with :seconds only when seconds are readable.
3:05
